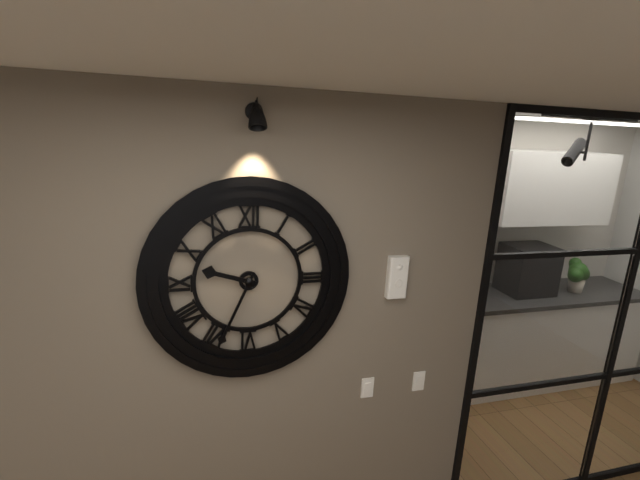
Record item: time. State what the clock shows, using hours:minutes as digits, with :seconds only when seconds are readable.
9:34
